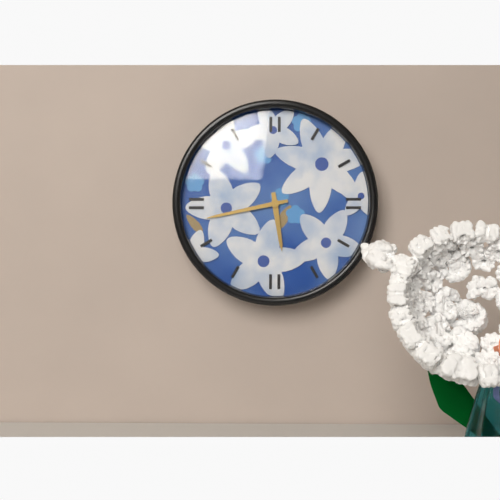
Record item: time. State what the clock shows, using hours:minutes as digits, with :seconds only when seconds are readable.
5:43
